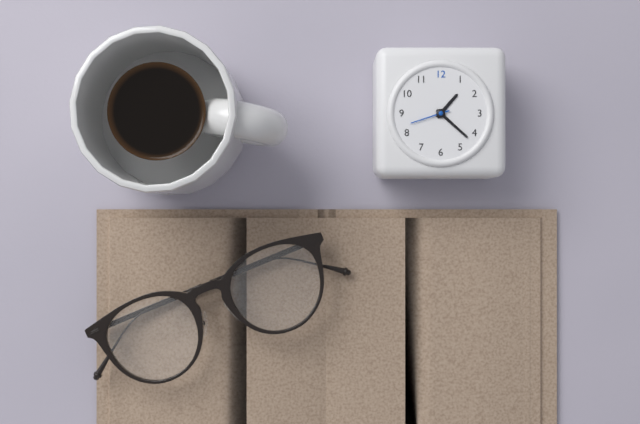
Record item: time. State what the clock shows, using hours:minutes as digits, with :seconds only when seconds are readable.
1:22
